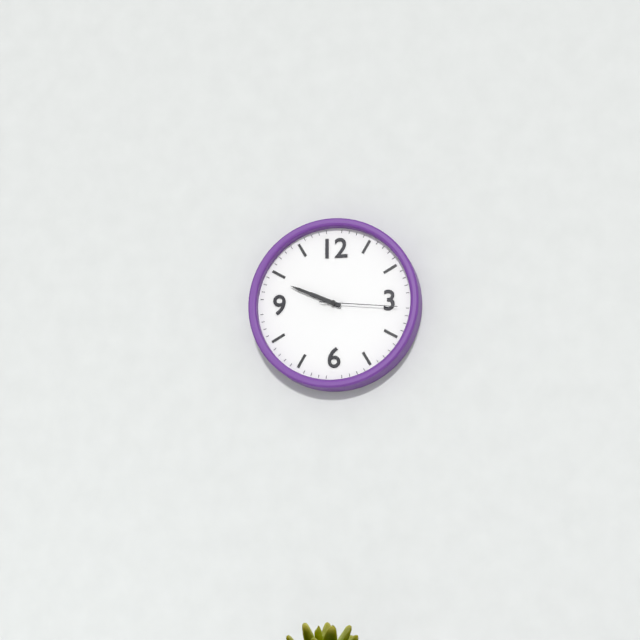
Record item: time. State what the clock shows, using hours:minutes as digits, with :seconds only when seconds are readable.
9:49:16
